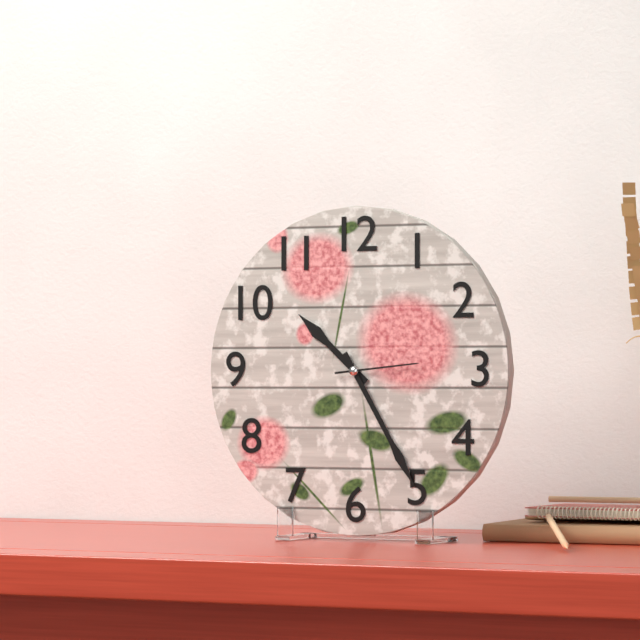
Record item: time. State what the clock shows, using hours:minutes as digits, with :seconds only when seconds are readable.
10:25:14
